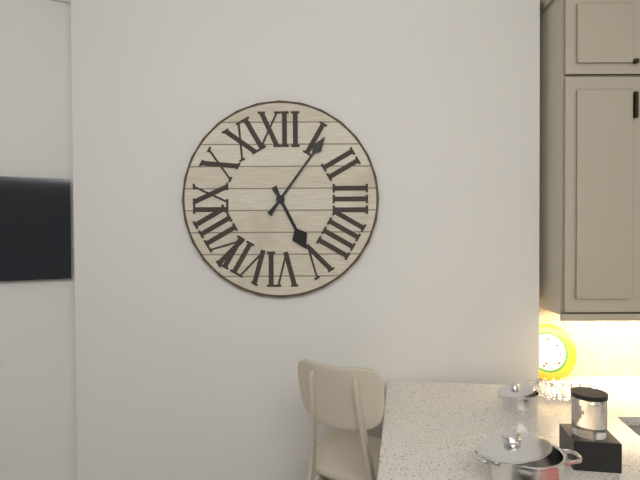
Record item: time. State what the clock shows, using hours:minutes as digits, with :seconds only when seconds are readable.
5:06
